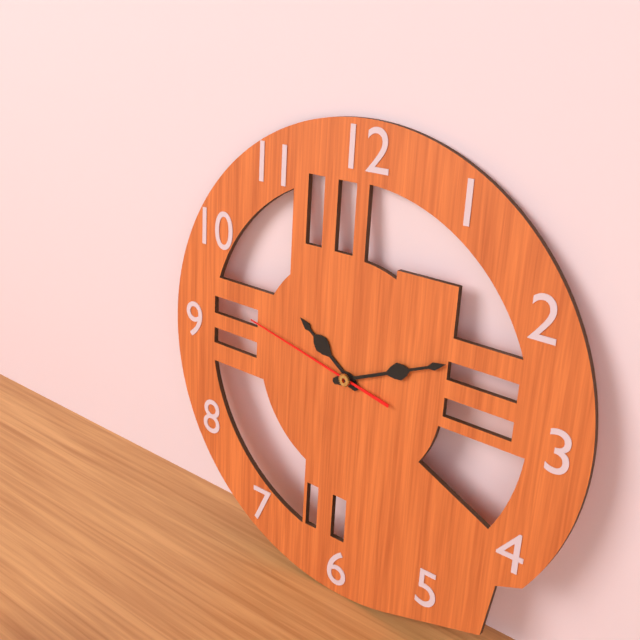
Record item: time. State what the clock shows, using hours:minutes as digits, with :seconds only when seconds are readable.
10:11:47
